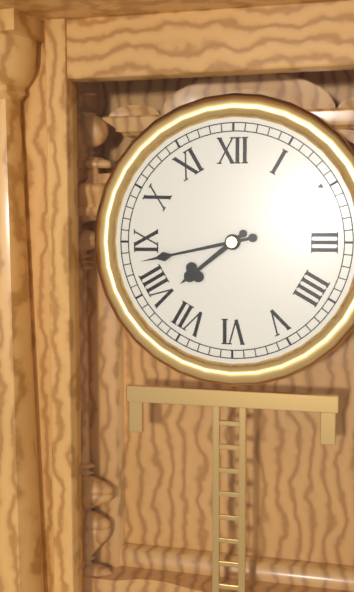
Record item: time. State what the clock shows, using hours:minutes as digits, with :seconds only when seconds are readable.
7:43
